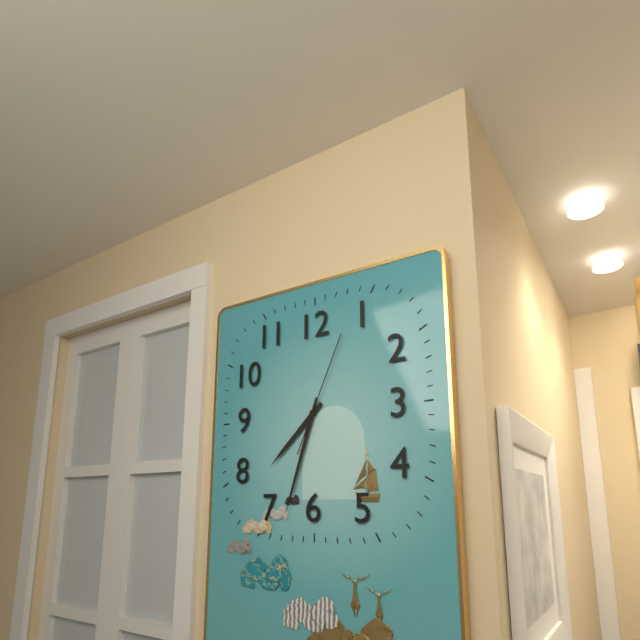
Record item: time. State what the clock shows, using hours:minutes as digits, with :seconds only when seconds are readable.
7:33:04
